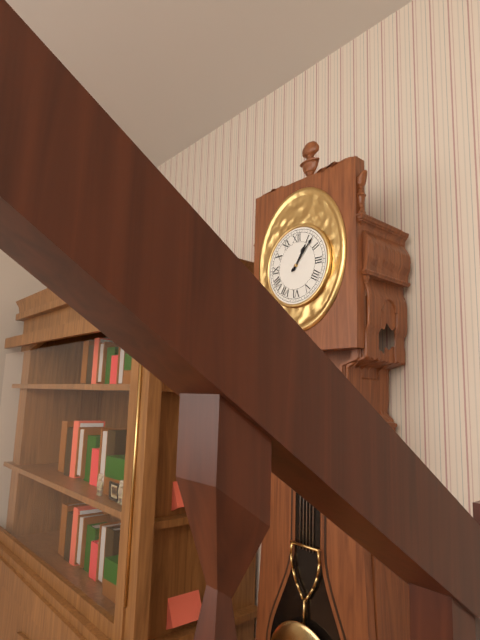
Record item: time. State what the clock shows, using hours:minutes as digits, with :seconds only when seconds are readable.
1:07
